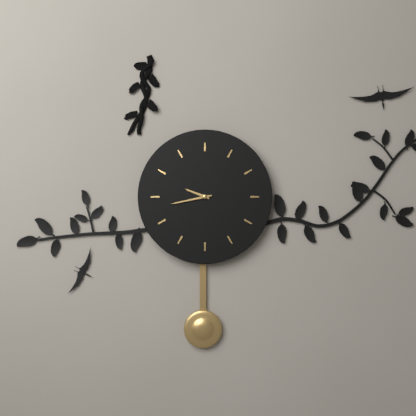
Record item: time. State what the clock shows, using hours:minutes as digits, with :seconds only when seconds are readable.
9:43
